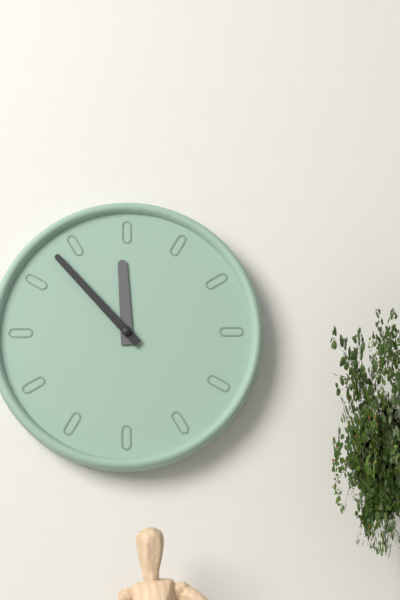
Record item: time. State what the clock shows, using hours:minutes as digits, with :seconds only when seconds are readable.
11:53
